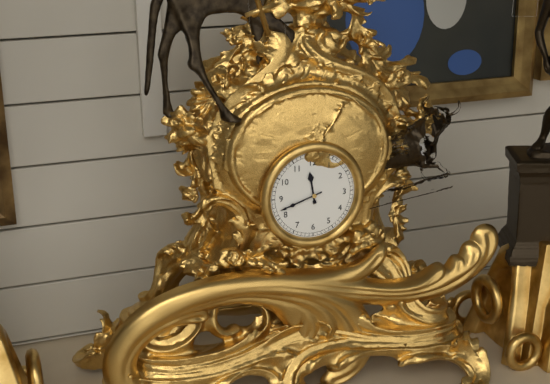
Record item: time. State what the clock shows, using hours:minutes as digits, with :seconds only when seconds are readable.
11:42
